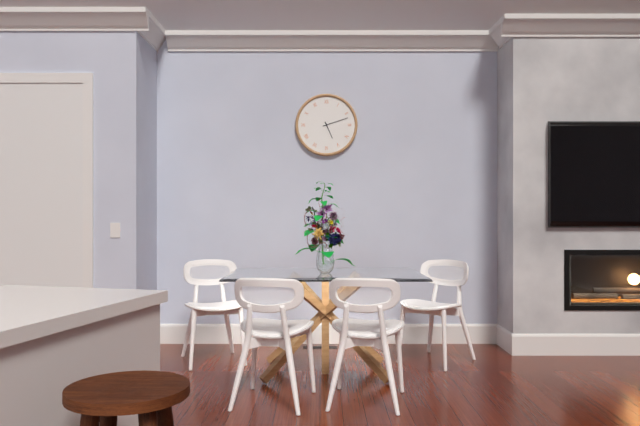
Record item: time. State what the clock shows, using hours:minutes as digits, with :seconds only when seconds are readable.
5:12
